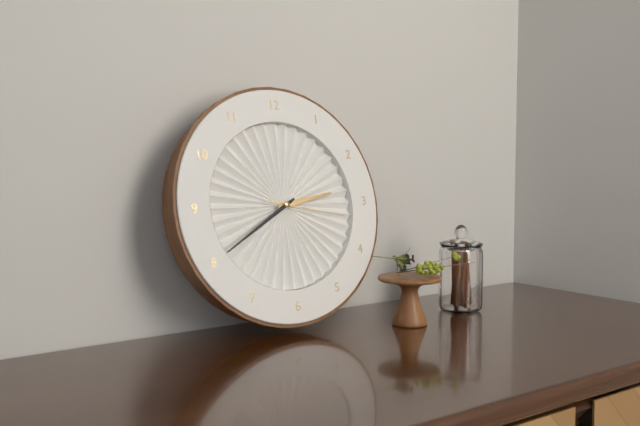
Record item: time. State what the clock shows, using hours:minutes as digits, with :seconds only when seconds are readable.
2:40:17
